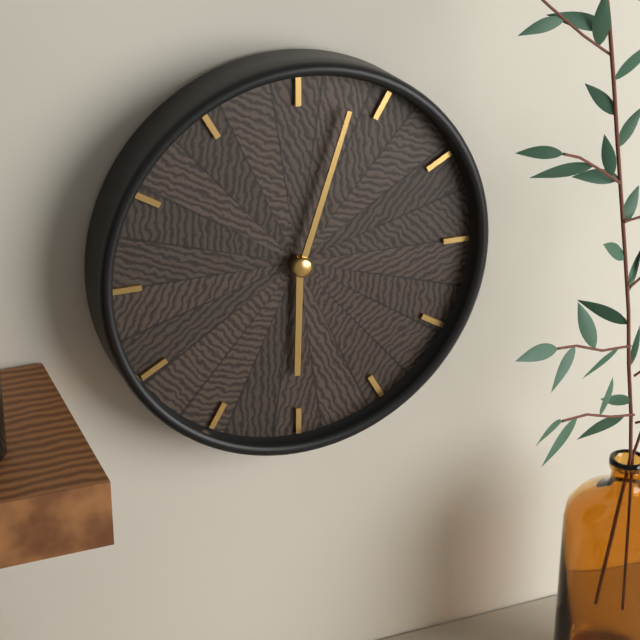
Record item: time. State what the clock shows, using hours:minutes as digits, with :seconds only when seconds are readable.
6:03
